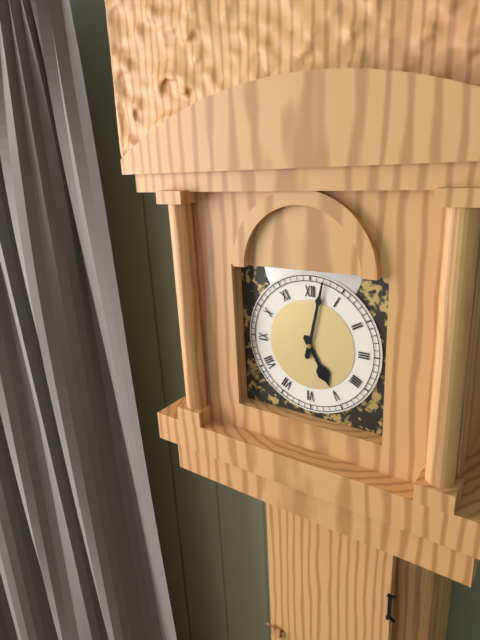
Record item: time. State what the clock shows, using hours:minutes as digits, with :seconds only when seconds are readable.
5:02
